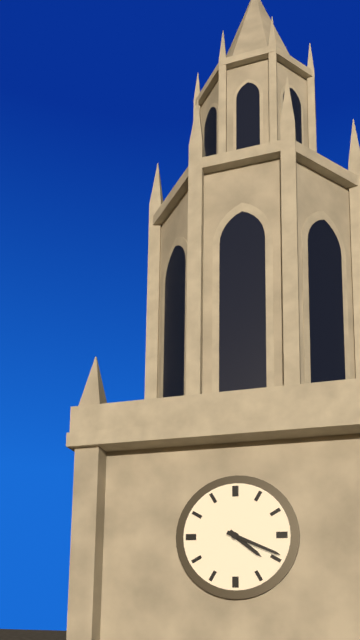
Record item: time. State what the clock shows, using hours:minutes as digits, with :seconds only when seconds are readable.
4:19
